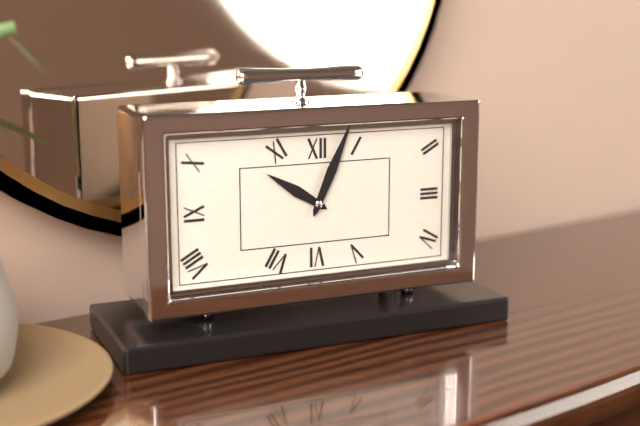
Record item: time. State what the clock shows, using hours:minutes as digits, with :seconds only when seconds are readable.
10:04
